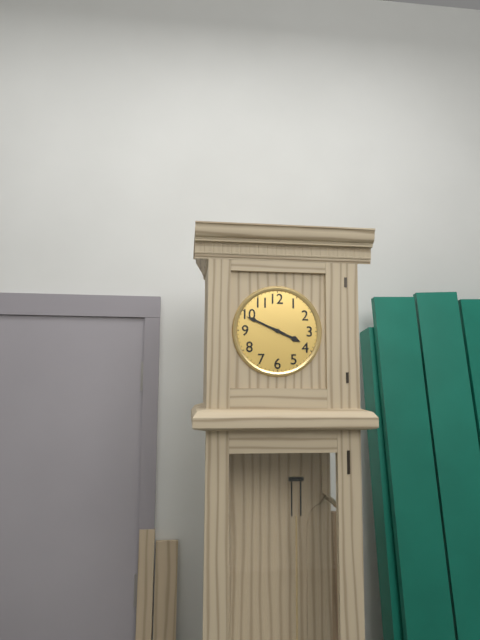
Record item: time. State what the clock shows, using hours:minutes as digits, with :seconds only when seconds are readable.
3:49
